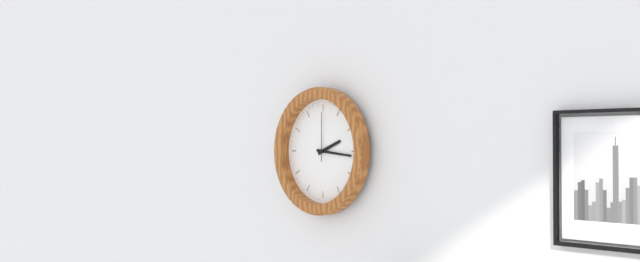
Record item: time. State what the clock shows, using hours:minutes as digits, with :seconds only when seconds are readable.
2:16
